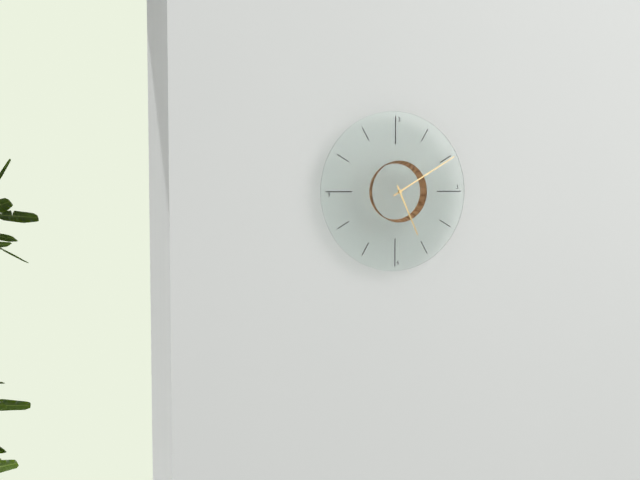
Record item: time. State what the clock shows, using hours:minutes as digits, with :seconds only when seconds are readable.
5:10
